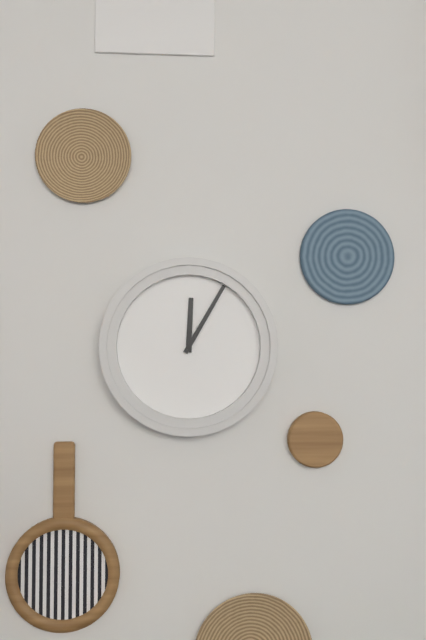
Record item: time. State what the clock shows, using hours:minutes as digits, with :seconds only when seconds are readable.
12:05
